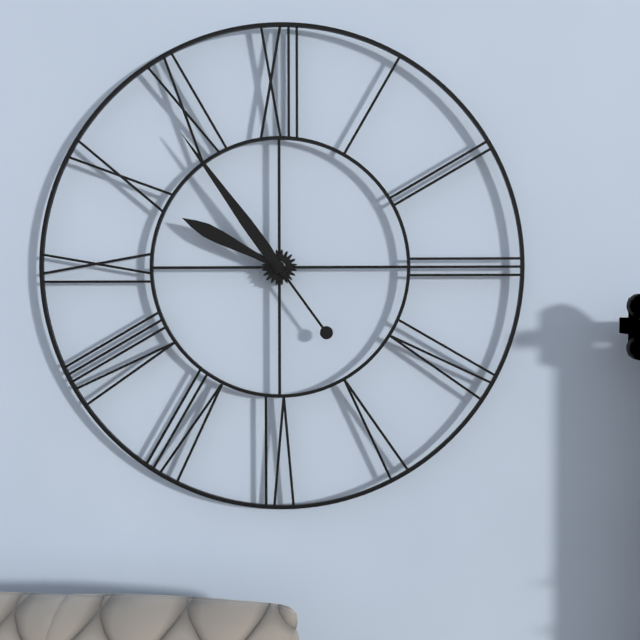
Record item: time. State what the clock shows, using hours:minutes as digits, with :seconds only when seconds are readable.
9:54
